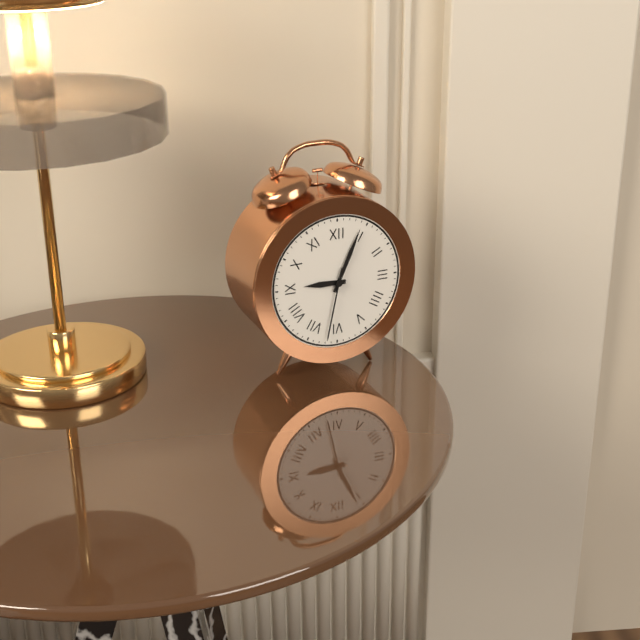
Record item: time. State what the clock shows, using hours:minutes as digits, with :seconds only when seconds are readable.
9:04:32
